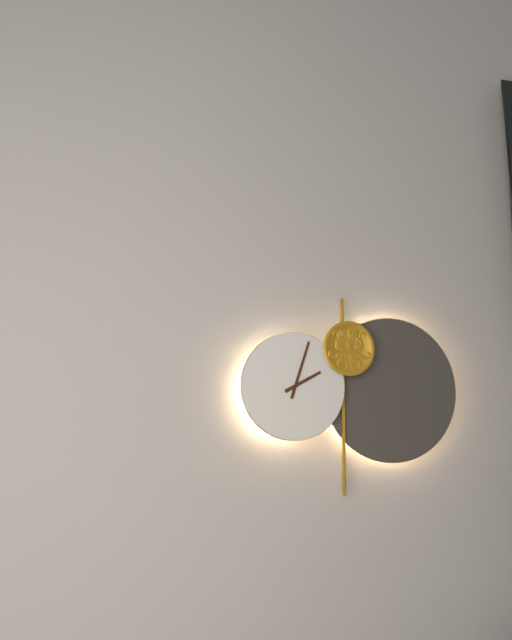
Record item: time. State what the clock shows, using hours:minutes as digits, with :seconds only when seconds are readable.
2:03
